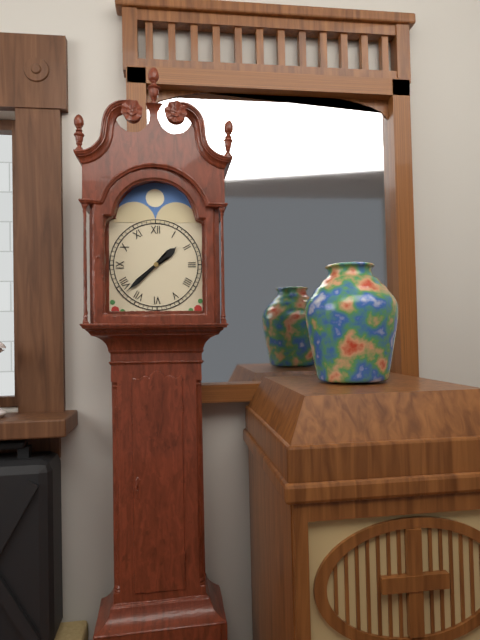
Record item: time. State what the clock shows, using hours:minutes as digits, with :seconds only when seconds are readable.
1:38
